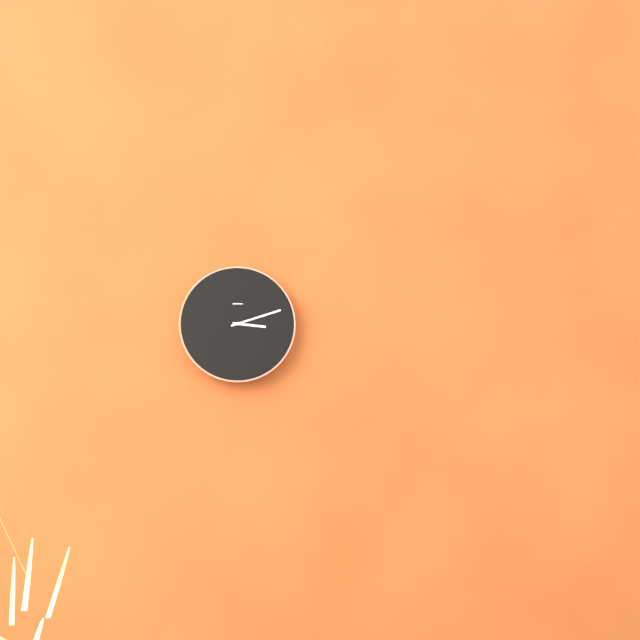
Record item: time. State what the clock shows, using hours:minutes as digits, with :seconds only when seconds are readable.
3:12
